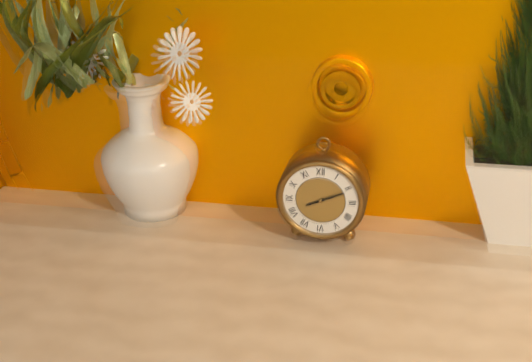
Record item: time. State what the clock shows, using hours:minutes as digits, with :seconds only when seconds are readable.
8:11
